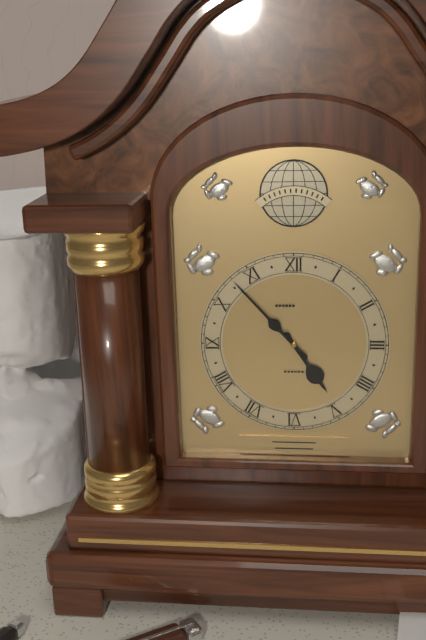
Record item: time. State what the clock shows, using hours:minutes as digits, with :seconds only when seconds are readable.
4:53
